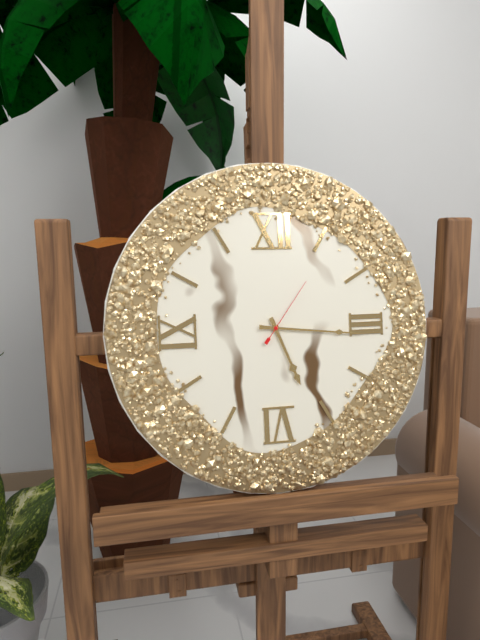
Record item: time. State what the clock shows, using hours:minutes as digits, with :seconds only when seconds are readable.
5:16:06
